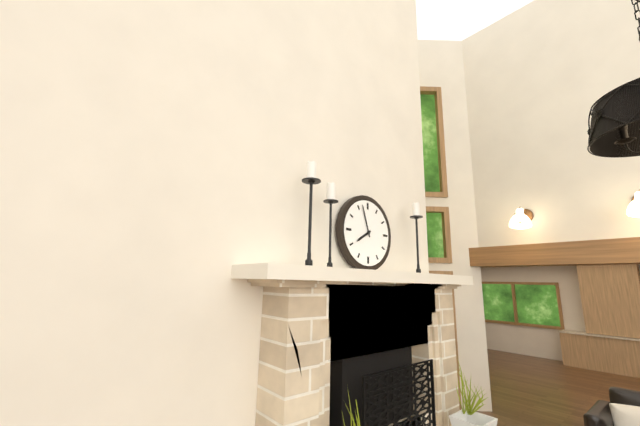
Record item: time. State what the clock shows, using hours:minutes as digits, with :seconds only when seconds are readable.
7:57
